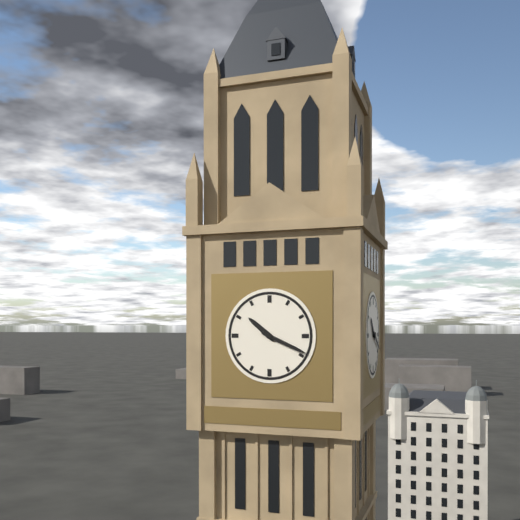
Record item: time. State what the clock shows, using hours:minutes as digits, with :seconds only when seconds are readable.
10:19
